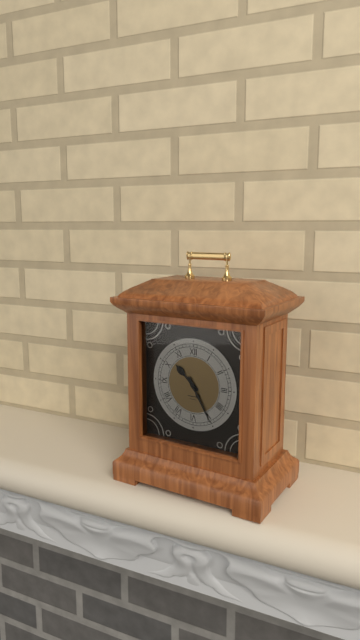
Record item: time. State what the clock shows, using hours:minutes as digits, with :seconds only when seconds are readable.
10:25
